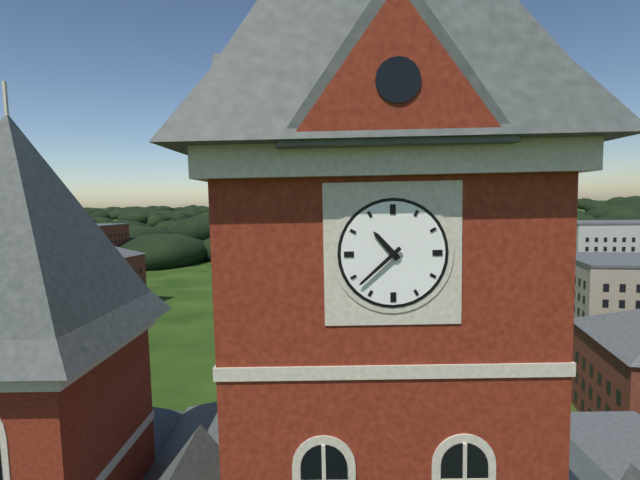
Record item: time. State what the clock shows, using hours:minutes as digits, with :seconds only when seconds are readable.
10:38
